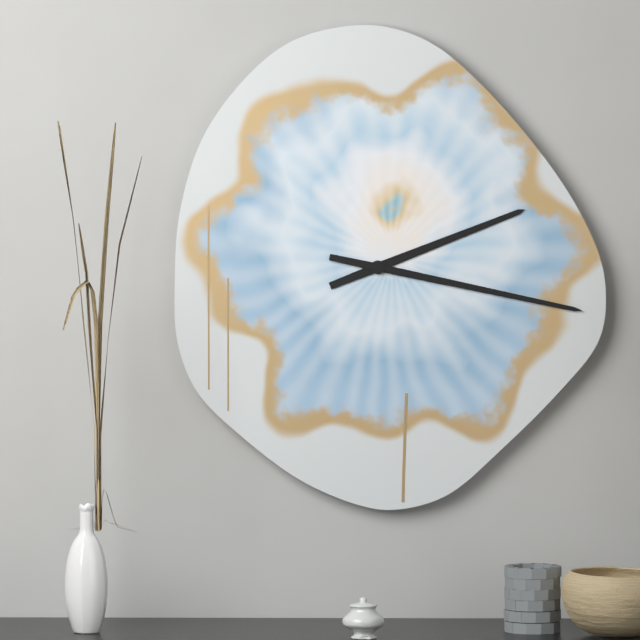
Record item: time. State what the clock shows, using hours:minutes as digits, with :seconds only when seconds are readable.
2:17
